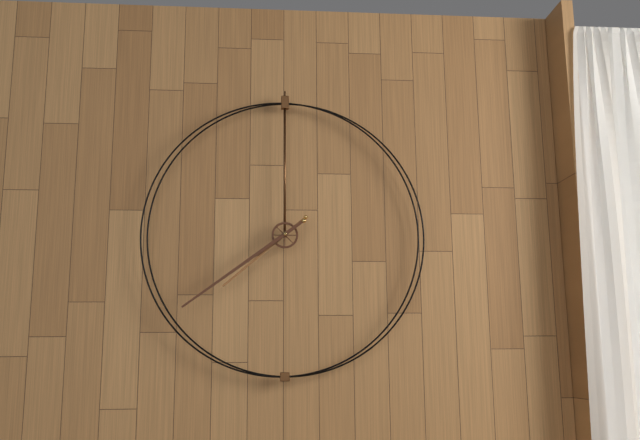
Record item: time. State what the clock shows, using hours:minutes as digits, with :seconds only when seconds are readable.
7:39
